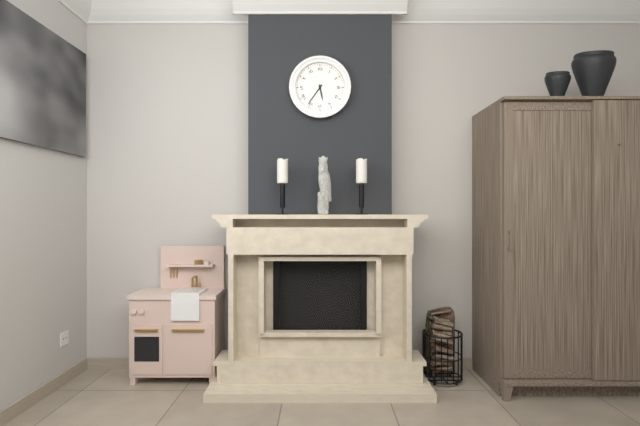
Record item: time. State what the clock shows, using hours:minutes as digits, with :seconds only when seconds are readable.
5:36
